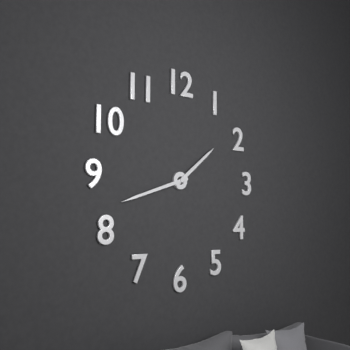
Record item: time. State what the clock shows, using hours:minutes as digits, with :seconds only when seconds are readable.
1:42
